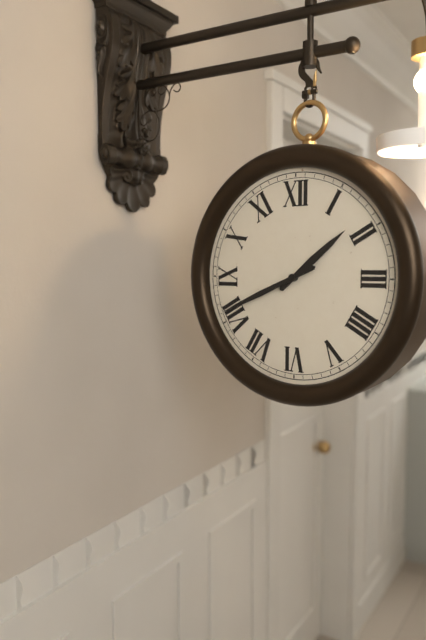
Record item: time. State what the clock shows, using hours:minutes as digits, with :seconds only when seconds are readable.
1:41
